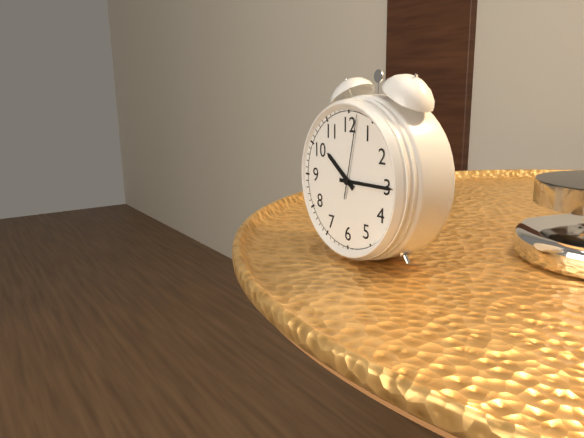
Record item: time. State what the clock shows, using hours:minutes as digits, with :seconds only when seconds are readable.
10:15:02
